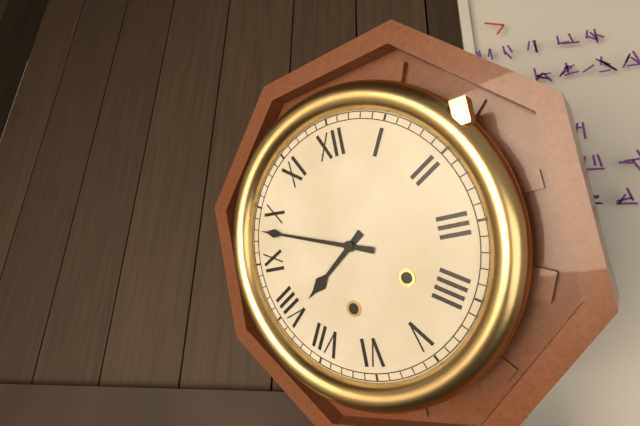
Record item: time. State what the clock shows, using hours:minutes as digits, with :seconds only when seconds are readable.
7:48
